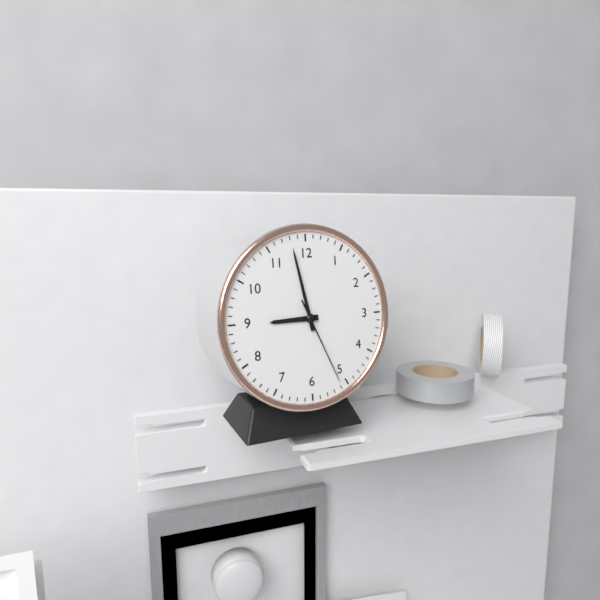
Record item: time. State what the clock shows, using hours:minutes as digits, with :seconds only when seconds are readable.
8:58:26
